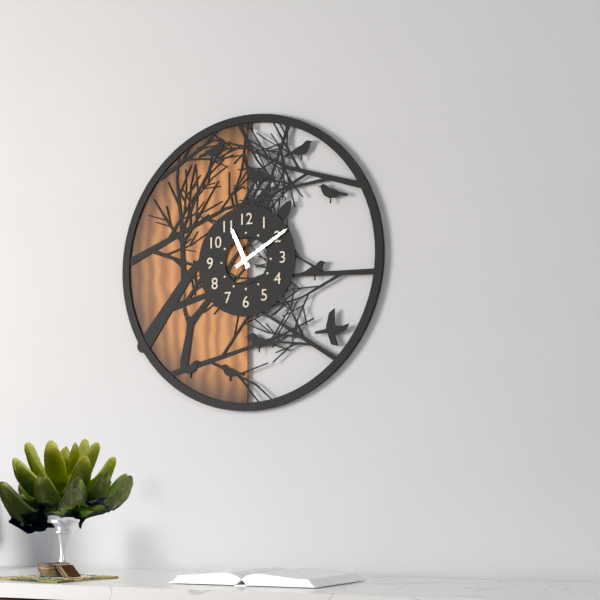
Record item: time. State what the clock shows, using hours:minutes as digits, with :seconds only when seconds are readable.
11:10
